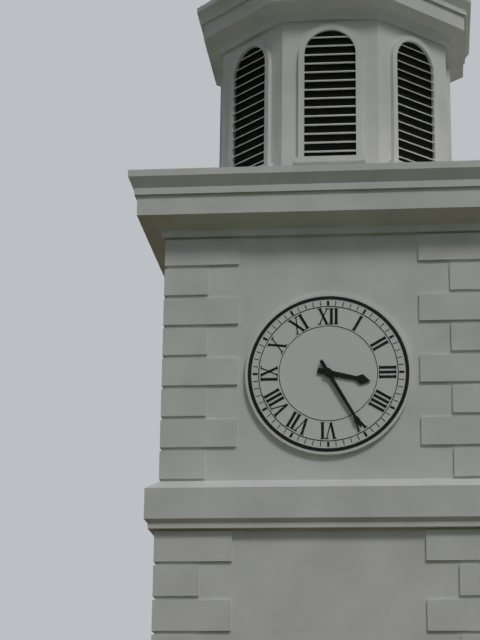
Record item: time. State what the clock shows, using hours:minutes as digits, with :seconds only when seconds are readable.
3:25
